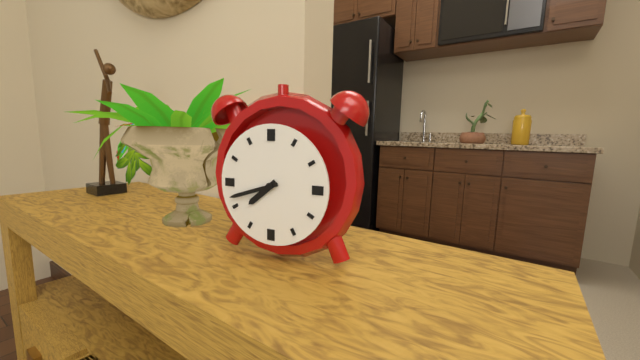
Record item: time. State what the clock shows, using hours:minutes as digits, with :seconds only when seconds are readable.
7:42
